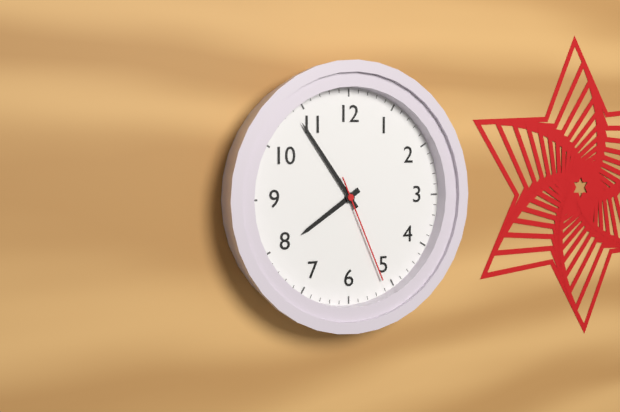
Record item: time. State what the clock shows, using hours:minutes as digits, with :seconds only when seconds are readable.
7:54:26
